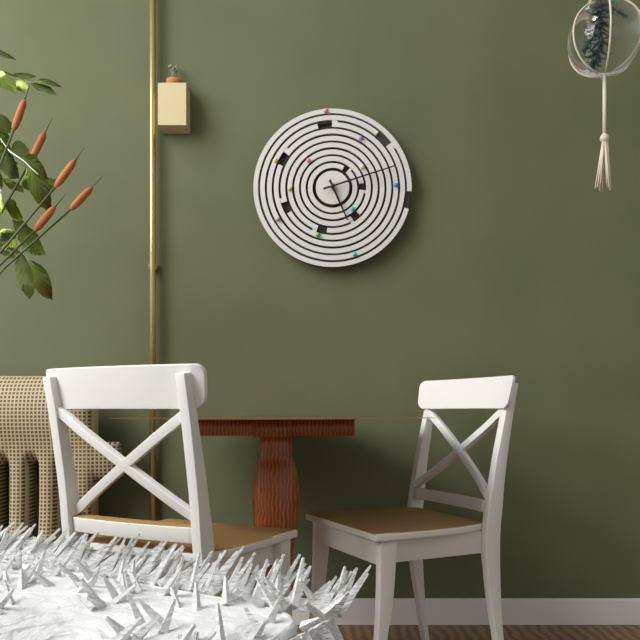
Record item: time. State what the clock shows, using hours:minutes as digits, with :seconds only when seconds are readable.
5:12
